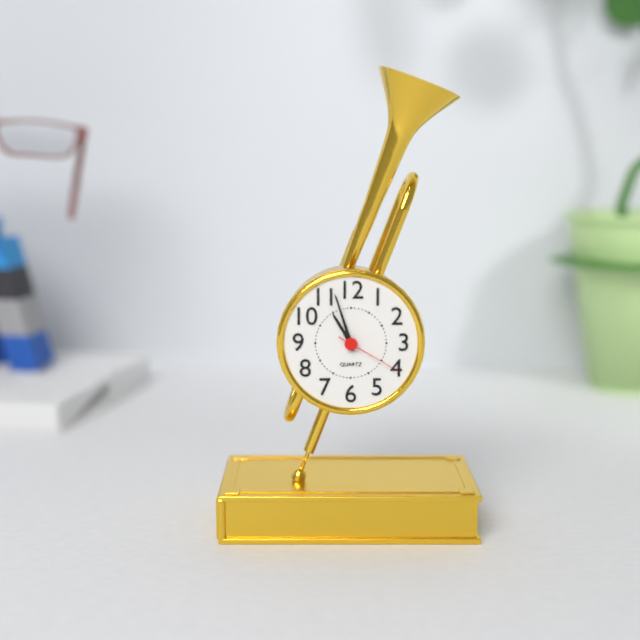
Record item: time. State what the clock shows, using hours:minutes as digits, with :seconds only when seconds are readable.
10:57:20
